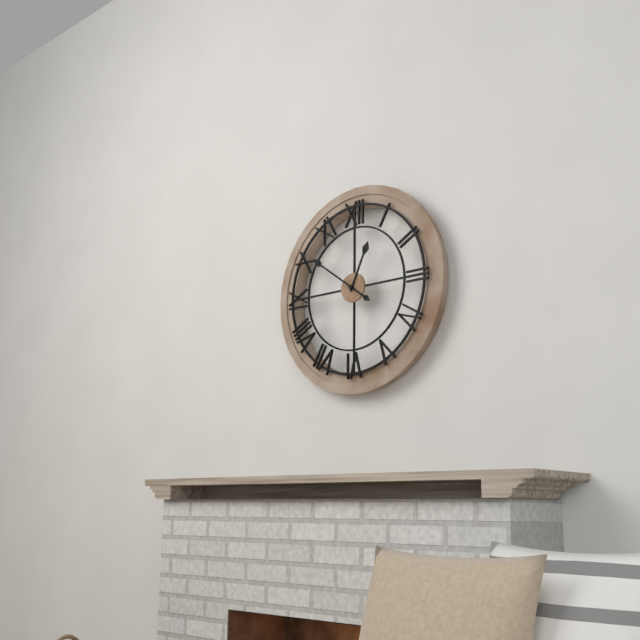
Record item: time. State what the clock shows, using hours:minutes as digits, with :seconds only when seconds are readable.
12:51
